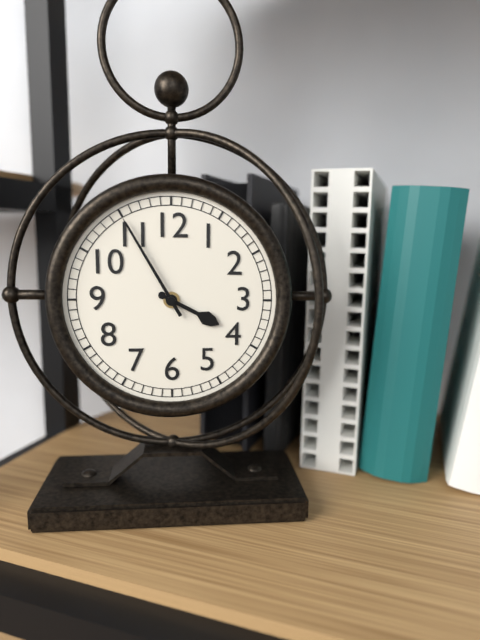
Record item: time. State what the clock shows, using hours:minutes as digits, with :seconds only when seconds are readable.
3:55
